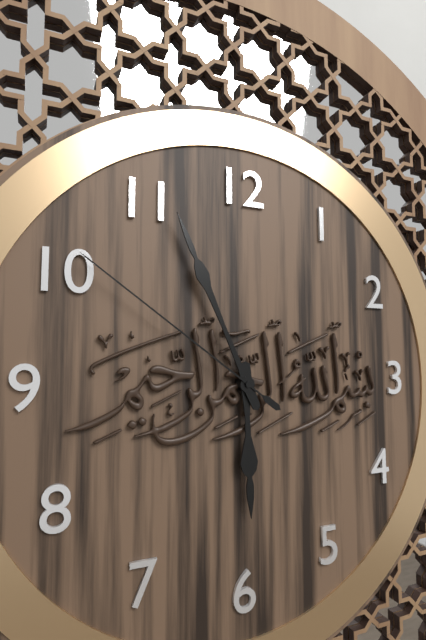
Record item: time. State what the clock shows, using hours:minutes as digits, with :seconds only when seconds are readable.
5:56:51
